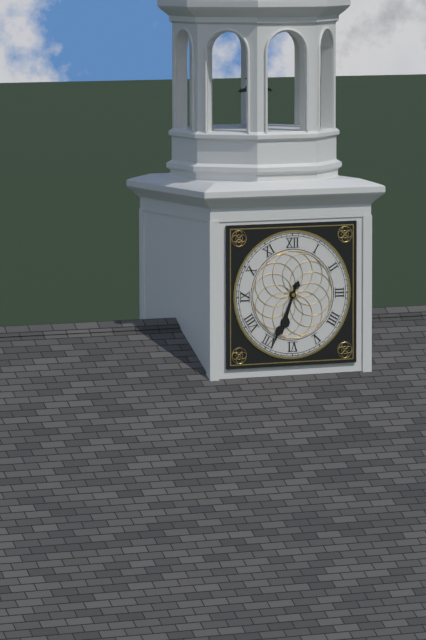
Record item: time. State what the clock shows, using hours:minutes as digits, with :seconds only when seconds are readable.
6:34
